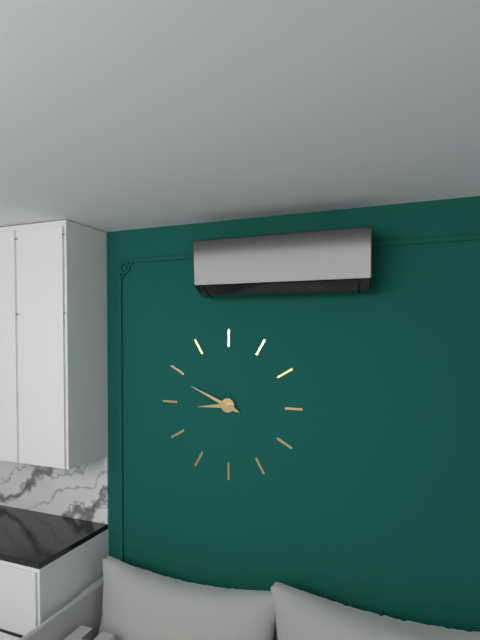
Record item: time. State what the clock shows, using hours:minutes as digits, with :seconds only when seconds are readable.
8:49
